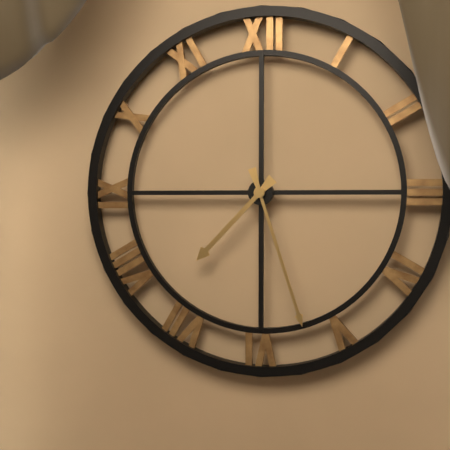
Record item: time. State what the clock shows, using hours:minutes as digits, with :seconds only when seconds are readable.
7:27
